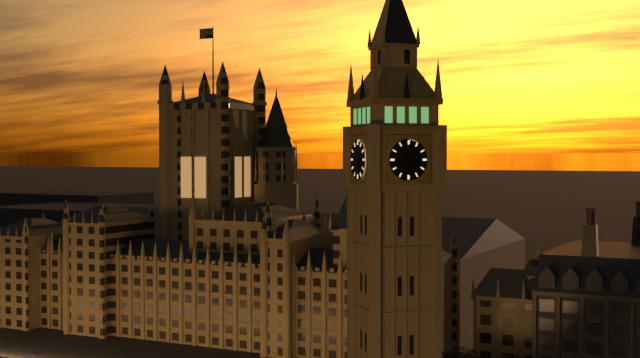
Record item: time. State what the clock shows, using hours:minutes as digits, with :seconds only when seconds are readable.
4:32
